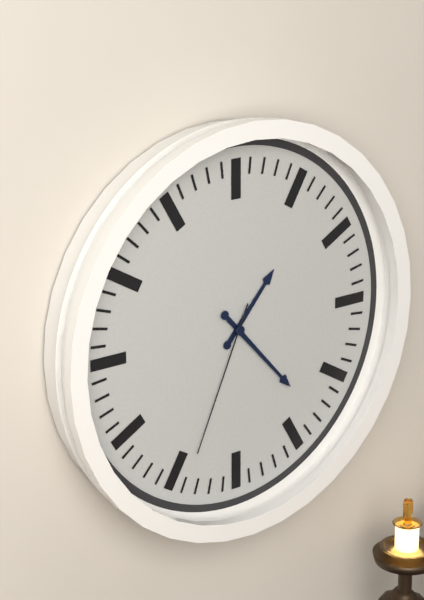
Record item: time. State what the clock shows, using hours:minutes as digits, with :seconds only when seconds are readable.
1:23:34
